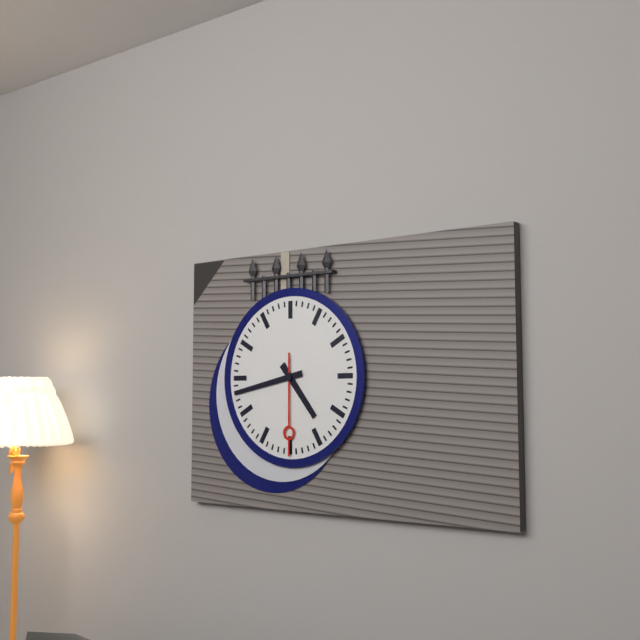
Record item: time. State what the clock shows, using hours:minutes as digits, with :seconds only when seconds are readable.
4:43:30
